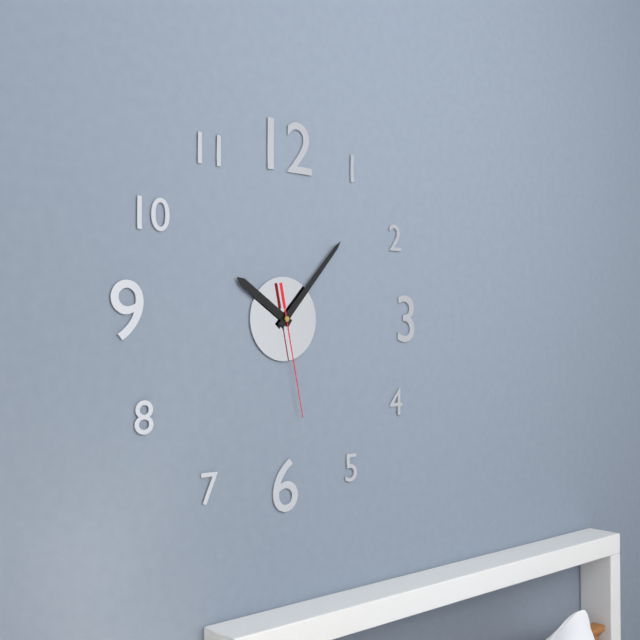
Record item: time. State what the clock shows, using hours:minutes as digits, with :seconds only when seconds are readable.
10:07:28
